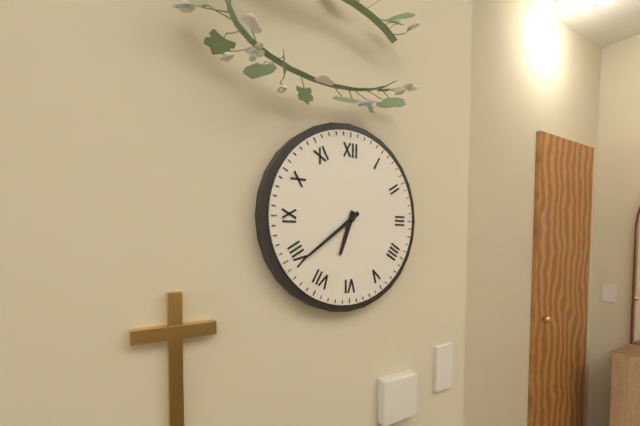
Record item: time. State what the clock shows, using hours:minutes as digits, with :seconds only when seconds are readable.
6:39
